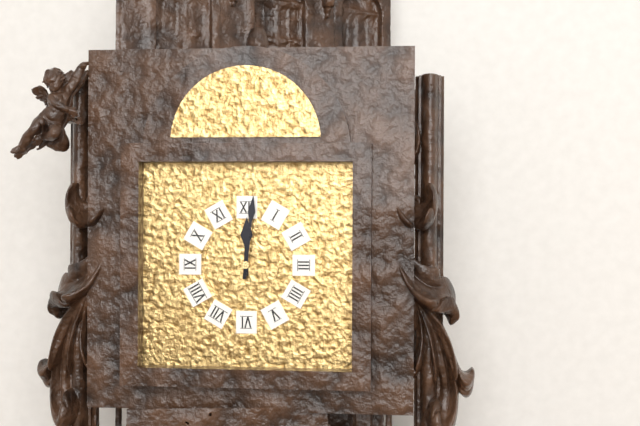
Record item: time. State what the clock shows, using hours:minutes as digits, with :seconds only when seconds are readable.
12:01
